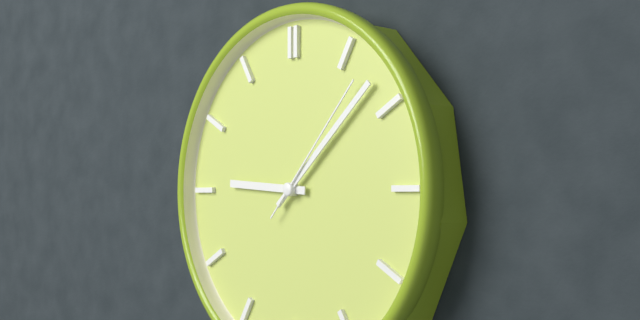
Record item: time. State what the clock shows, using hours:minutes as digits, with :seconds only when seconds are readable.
9:08:07
